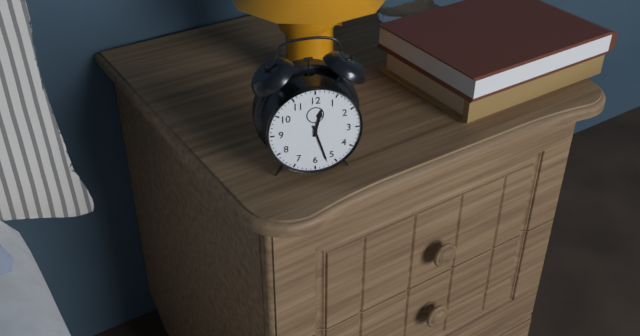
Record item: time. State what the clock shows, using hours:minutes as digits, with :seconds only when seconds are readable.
12:27
